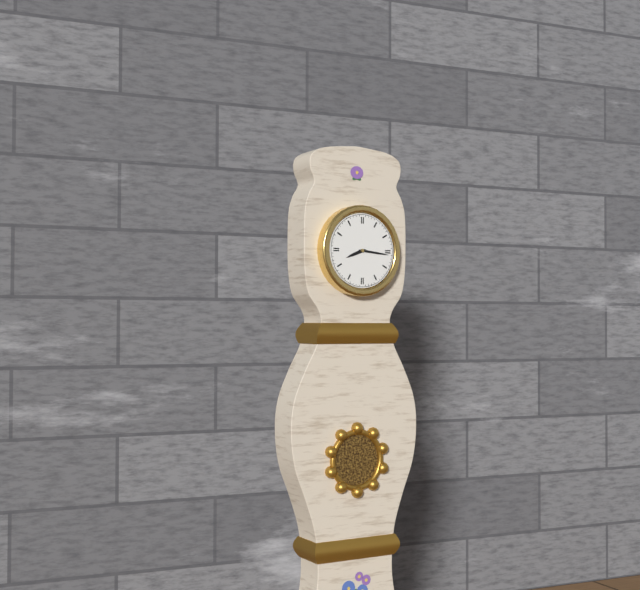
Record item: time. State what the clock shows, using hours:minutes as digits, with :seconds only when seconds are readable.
8:16
